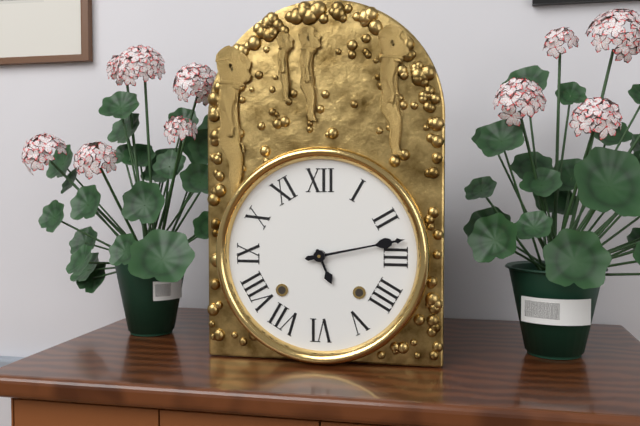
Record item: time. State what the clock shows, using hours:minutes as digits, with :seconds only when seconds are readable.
5:13
